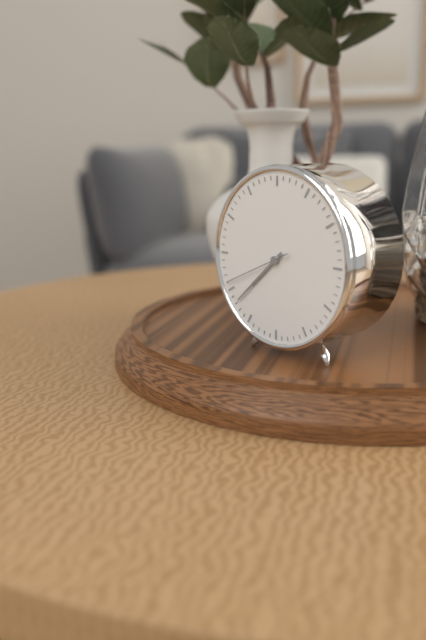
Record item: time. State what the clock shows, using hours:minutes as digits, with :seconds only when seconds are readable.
7:38:41
